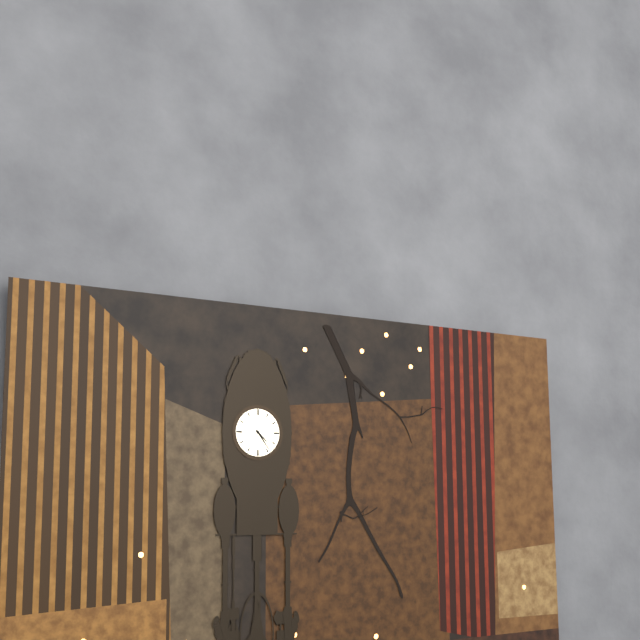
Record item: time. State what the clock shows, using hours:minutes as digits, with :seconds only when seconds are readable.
4:24
